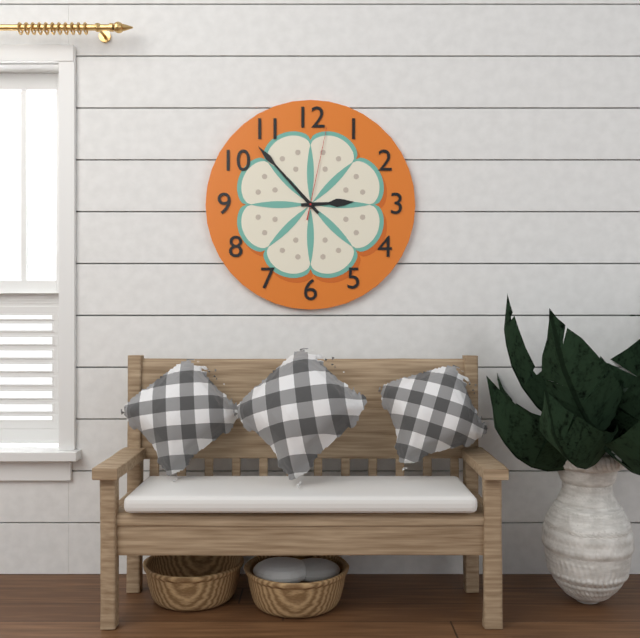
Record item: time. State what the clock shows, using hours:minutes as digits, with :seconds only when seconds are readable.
2:53:02
